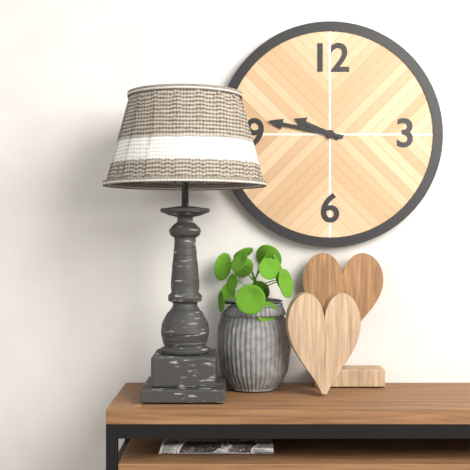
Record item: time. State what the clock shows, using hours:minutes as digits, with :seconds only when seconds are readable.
9:47
